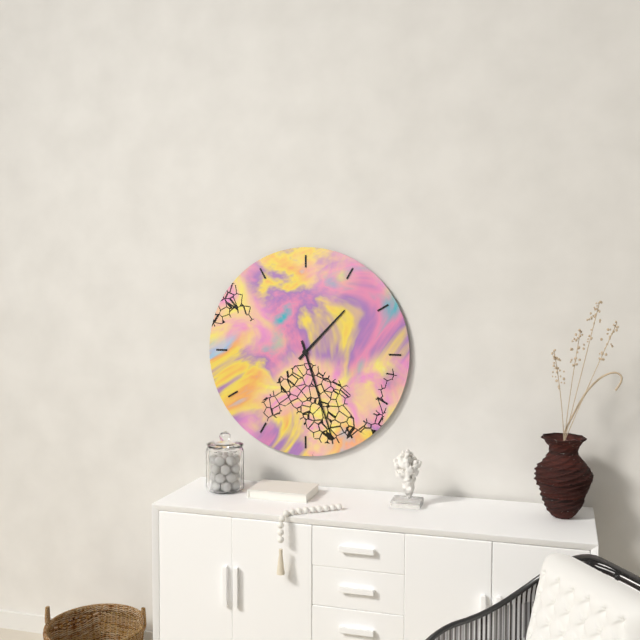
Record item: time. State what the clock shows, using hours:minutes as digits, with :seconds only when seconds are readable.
1:27
